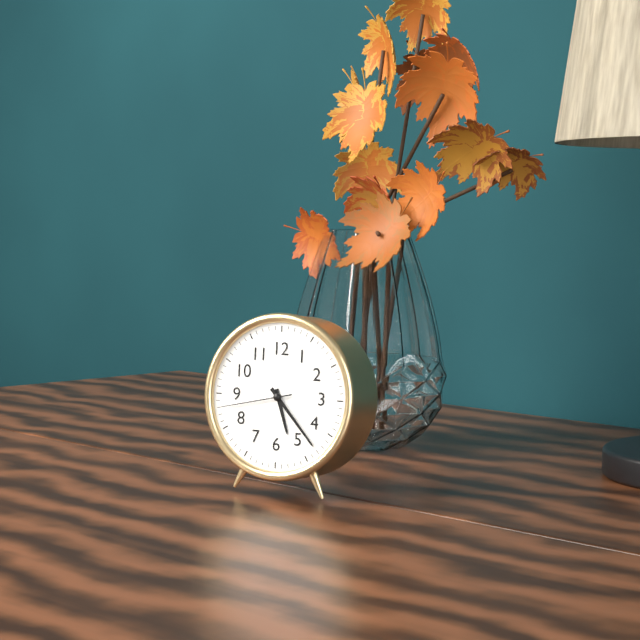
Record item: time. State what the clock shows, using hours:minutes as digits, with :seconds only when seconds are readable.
5:23:43
